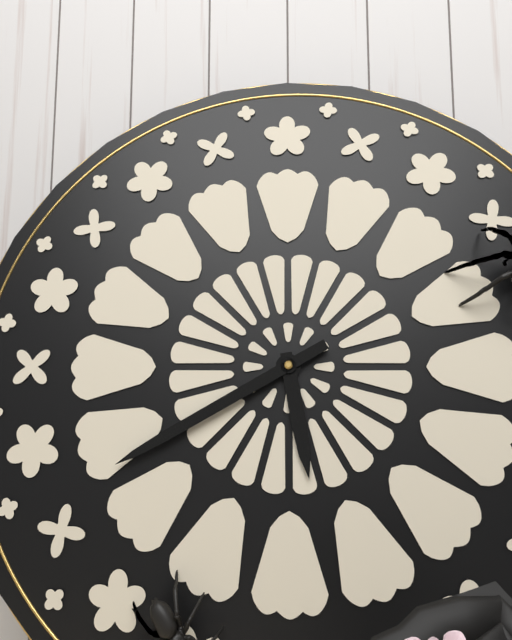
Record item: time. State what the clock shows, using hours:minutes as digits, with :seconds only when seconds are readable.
5:40
